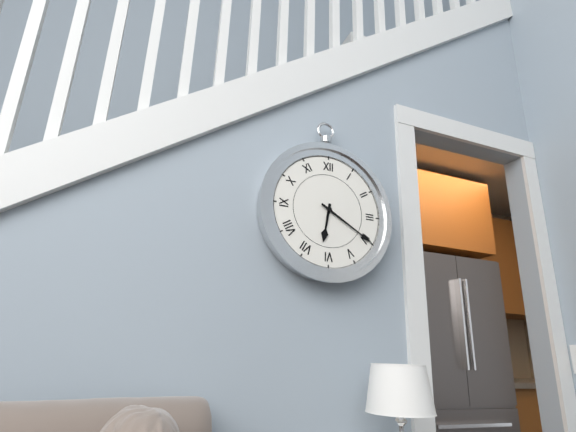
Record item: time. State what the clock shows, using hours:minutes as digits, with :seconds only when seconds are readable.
6:20
